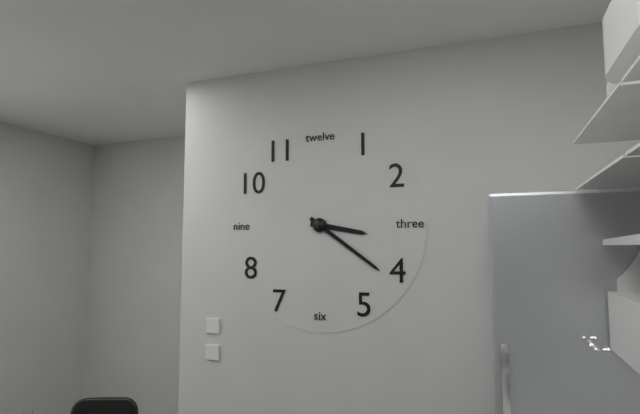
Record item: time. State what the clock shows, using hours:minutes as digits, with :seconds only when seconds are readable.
3:21
